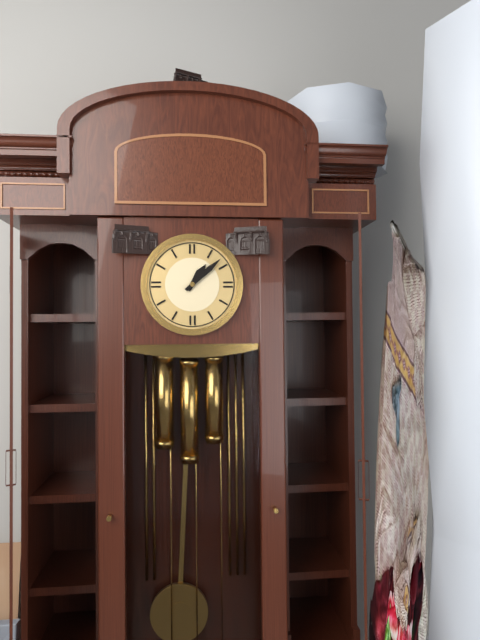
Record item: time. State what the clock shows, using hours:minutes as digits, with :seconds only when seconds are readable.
1:08
